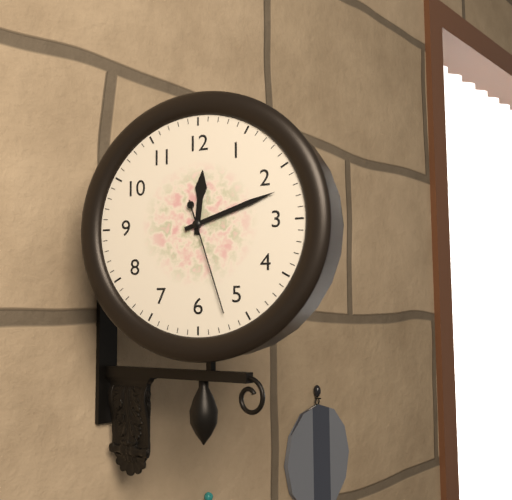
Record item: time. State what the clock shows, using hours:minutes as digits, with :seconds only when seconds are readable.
12:12:27
